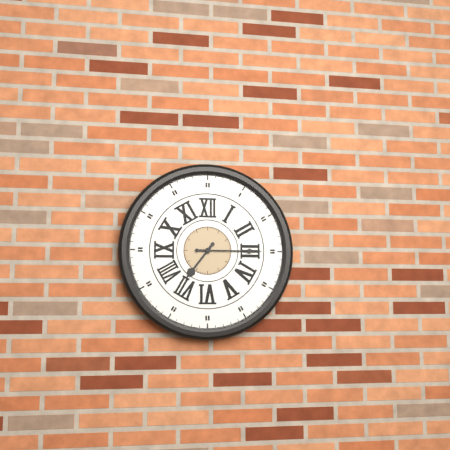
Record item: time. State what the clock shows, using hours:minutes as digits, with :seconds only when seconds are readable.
7:15
